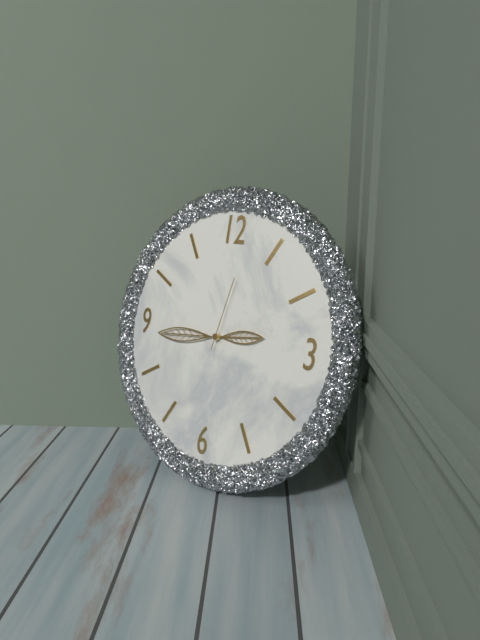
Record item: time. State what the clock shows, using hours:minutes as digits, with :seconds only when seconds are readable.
2:44:02
